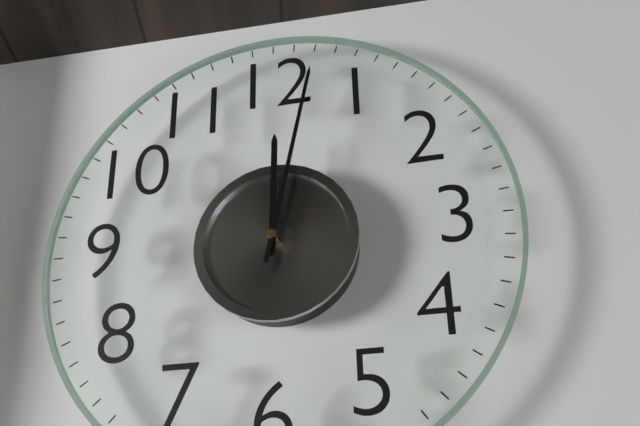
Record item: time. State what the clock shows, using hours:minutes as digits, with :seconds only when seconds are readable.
12:02
